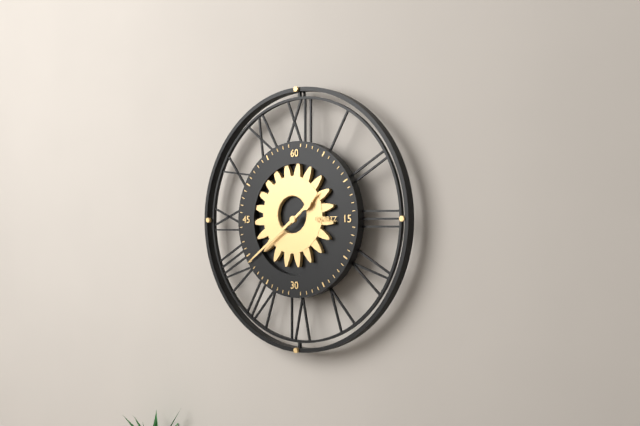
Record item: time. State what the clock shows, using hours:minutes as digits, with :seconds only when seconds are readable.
1:39
